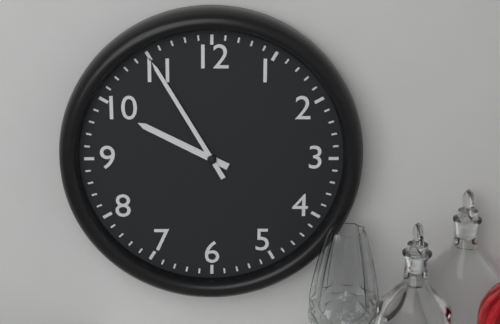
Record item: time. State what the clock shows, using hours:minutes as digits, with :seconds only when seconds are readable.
9:55
